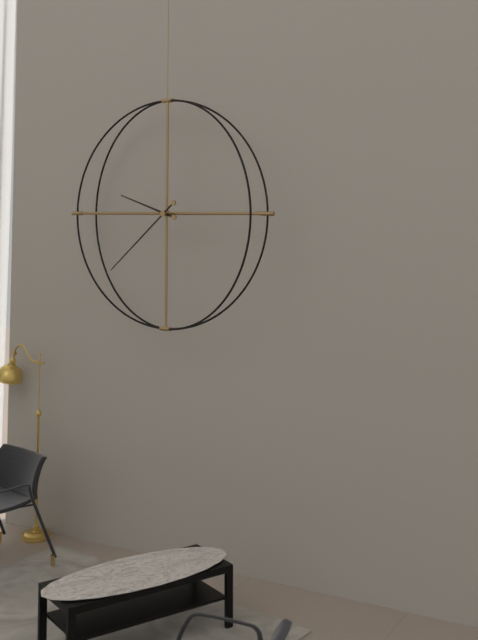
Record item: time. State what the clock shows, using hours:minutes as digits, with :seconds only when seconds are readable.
9:38
